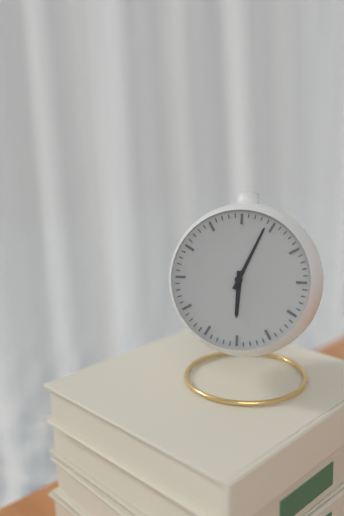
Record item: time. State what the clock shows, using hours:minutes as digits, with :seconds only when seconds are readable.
6:04
